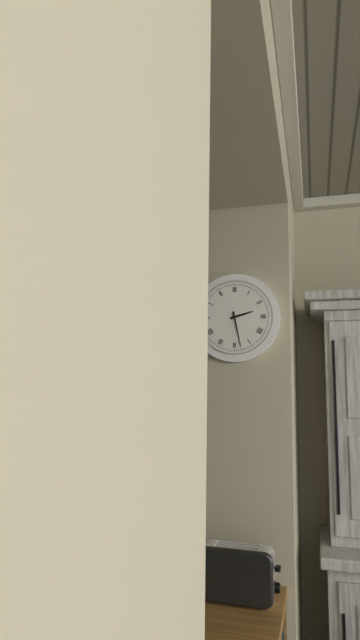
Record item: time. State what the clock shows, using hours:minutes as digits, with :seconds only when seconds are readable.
2:28
